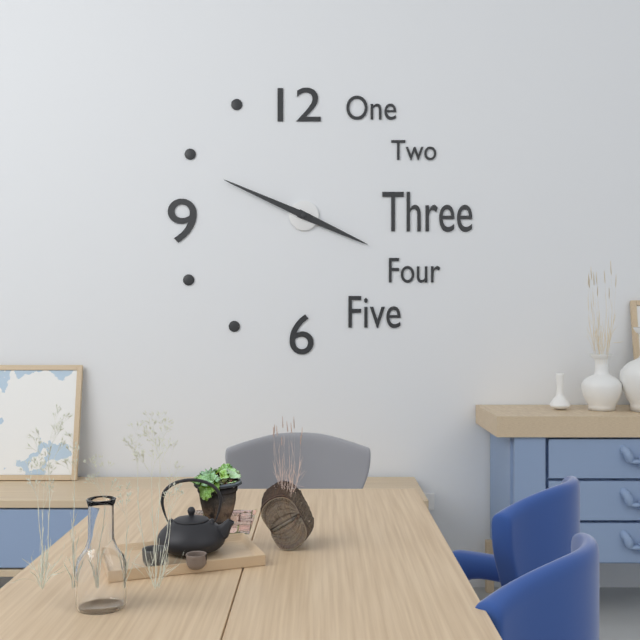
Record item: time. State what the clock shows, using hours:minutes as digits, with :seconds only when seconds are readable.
3:49
